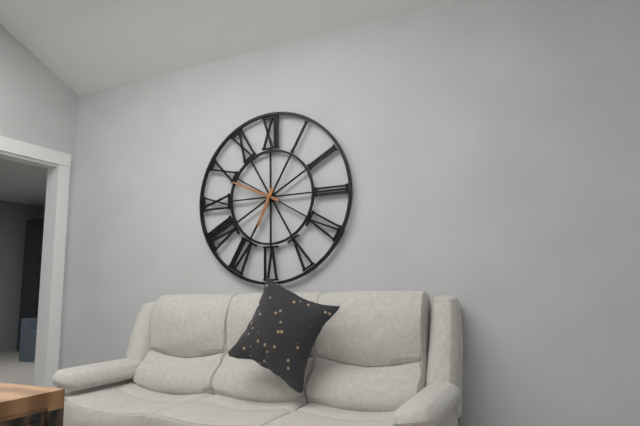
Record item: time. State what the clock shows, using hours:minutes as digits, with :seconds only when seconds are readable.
6:49
